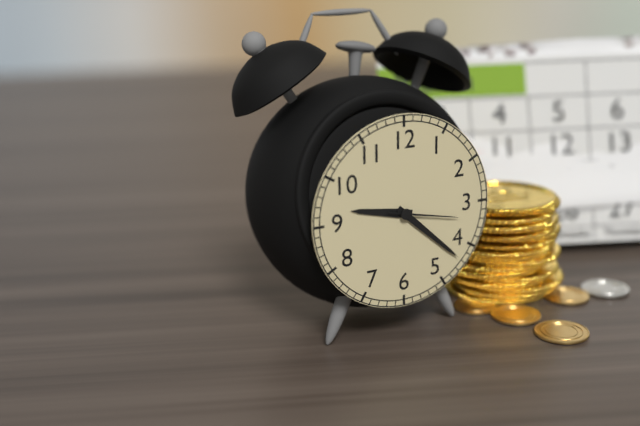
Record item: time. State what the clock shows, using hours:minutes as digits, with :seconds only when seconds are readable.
9:22:17
